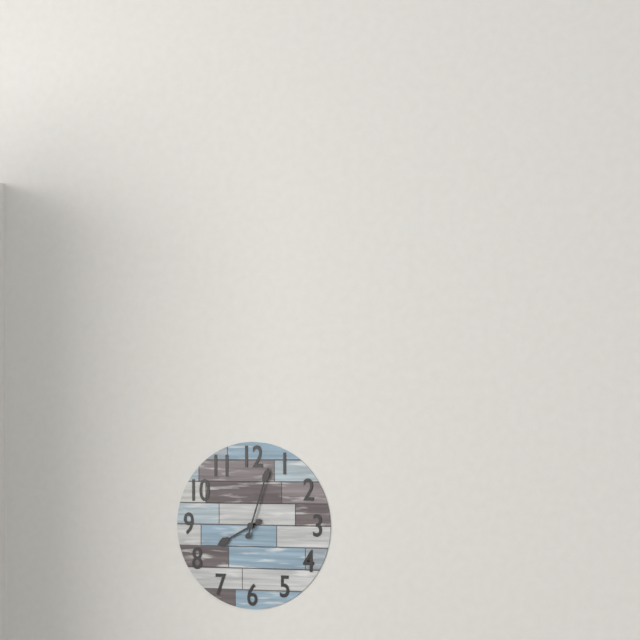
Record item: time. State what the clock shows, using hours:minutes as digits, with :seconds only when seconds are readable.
8:03
